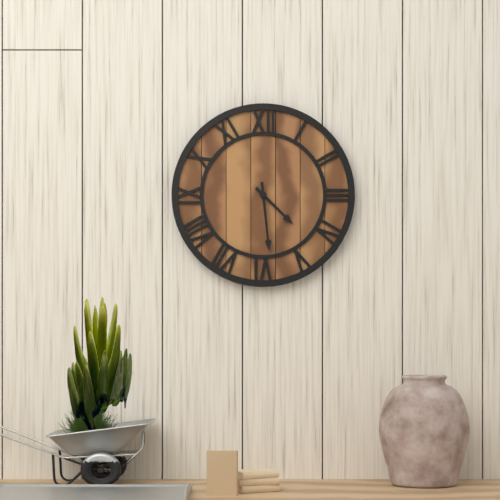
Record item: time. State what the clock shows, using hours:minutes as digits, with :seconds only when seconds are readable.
4:29
